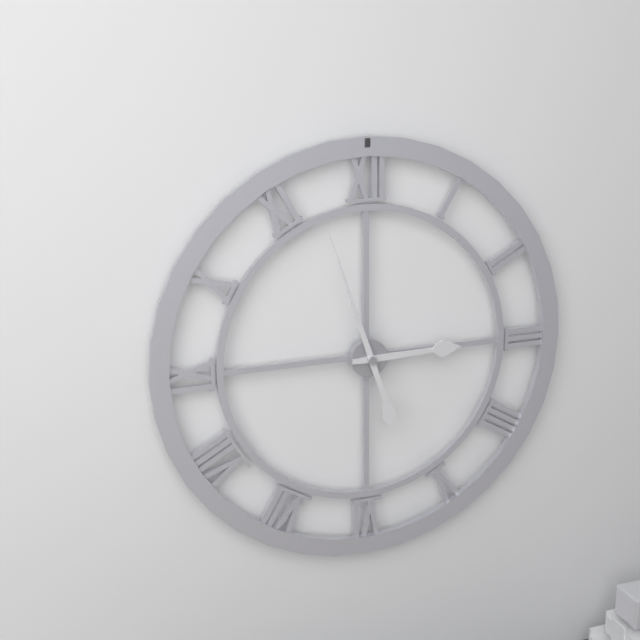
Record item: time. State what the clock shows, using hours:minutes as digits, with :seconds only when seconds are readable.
2:57
